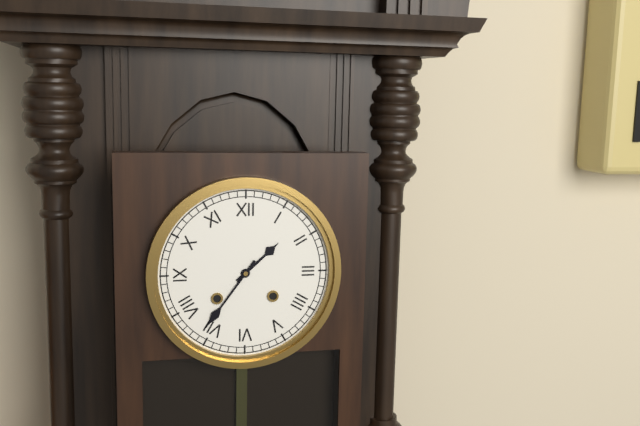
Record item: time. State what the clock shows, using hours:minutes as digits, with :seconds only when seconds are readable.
1:36
